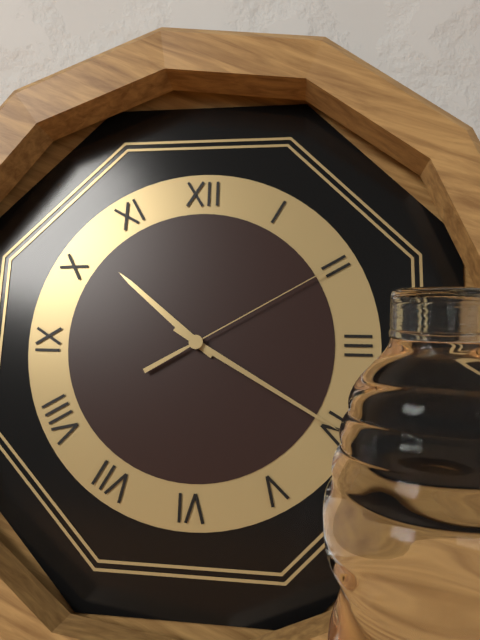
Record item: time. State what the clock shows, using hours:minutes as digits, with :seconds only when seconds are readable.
10:20:10
